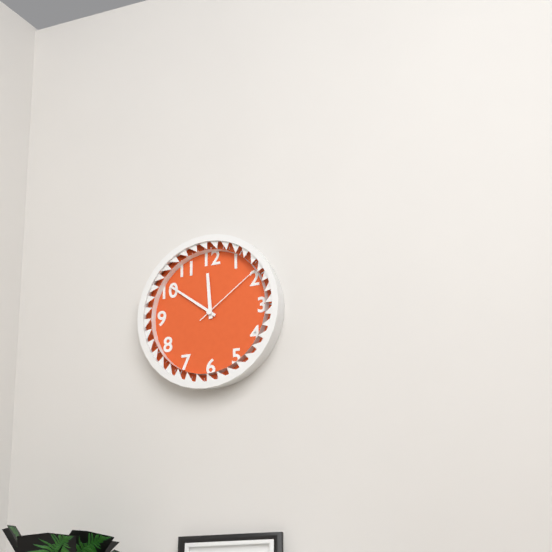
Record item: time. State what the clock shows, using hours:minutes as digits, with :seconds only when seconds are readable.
11:51:09
